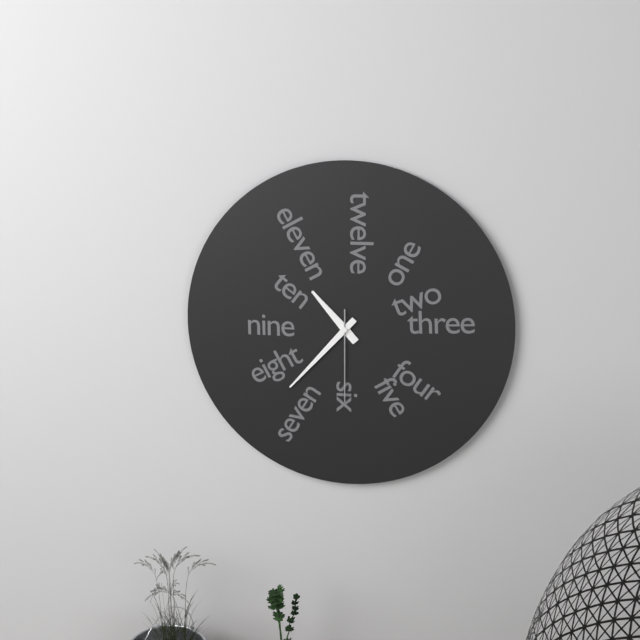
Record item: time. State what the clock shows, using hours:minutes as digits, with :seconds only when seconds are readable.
10:37:30
